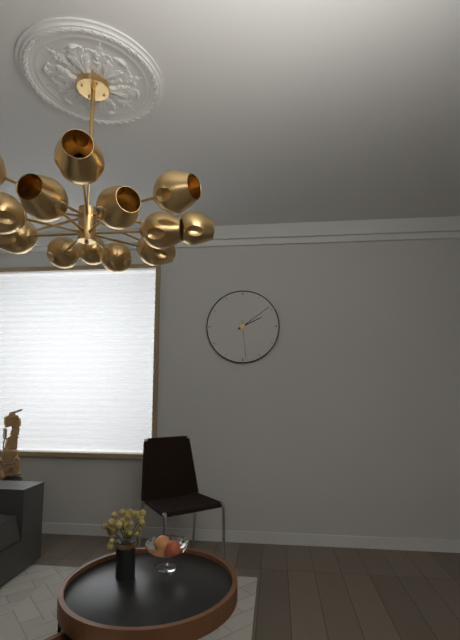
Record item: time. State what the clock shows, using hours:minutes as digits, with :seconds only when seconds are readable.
2:09
